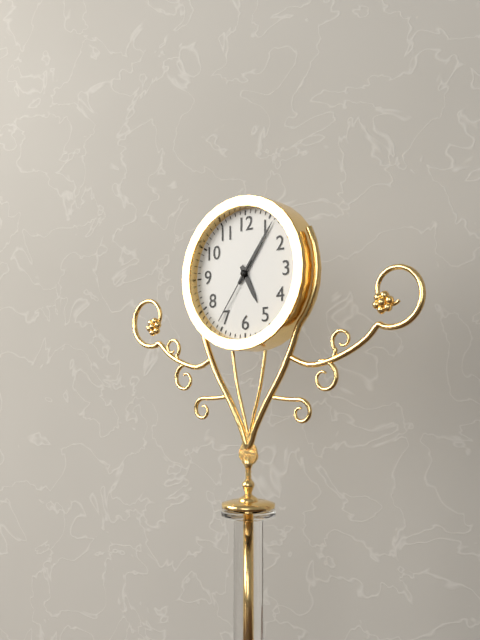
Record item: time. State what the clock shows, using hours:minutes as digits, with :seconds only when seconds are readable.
5:06:36
